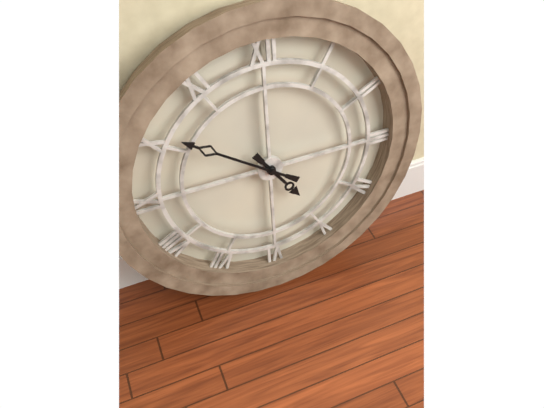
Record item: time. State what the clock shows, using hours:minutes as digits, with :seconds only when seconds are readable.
4:51
